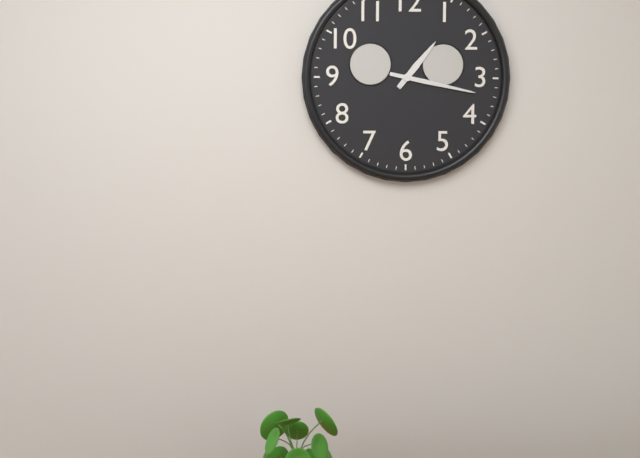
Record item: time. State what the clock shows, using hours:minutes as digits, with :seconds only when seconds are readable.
1:17
